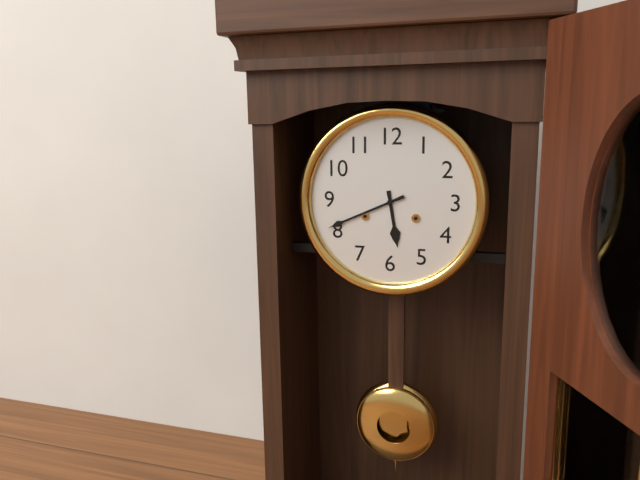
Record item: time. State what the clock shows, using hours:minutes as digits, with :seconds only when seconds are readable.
5:41
